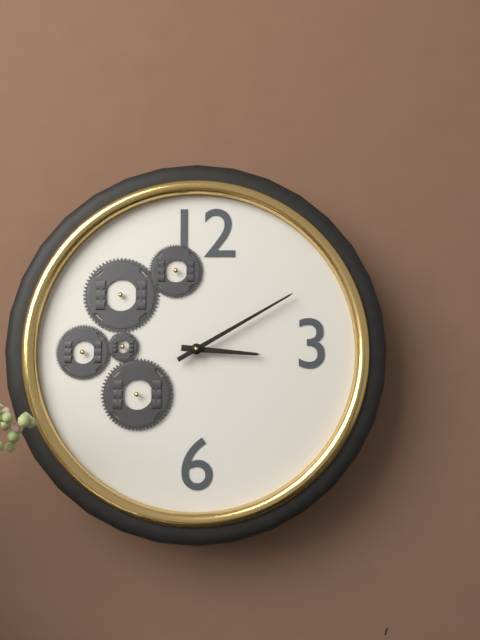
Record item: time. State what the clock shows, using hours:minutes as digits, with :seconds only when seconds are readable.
3:10
